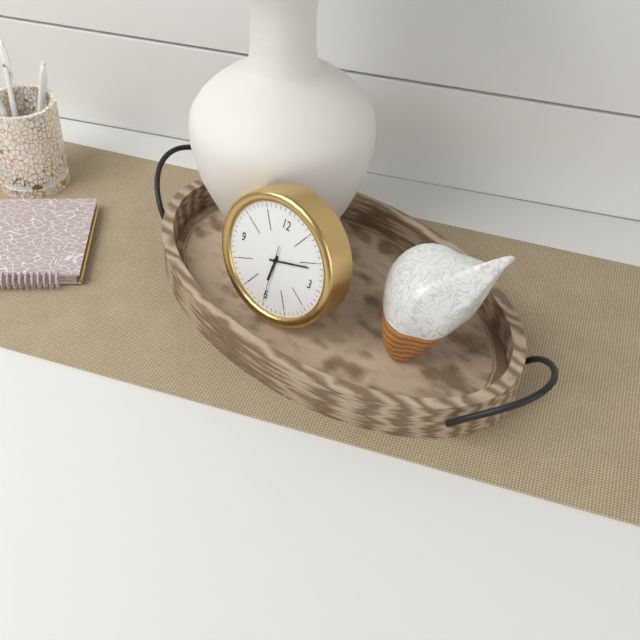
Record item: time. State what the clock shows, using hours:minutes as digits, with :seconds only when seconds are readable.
6:11:30
